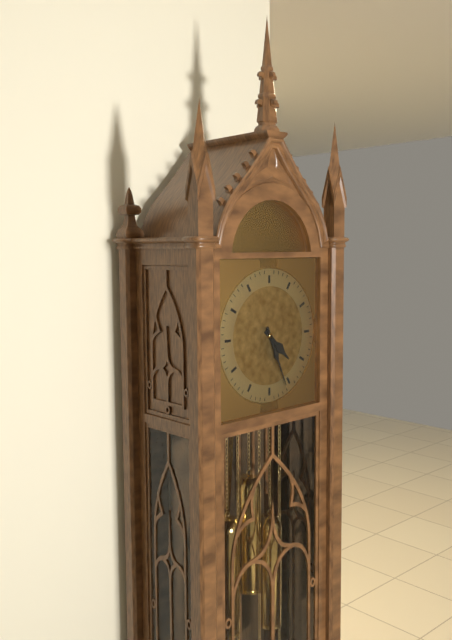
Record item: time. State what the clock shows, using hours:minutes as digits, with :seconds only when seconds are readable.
4:26
